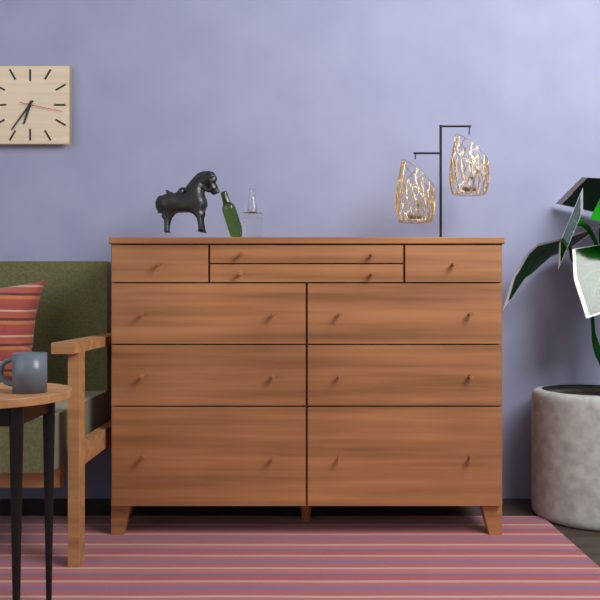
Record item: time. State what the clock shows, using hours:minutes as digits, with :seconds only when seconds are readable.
6:36
